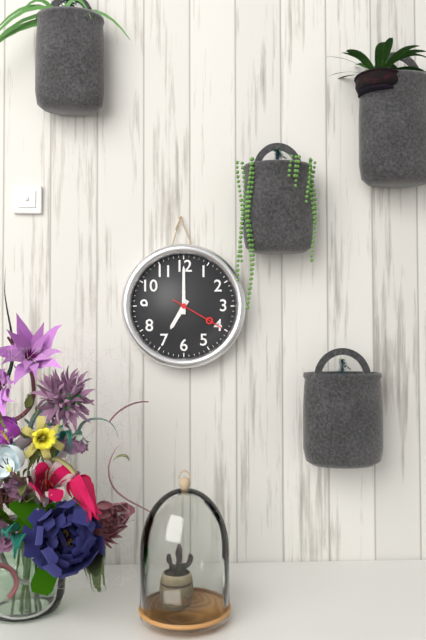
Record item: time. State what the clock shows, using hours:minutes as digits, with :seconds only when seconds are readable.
7:00:20
